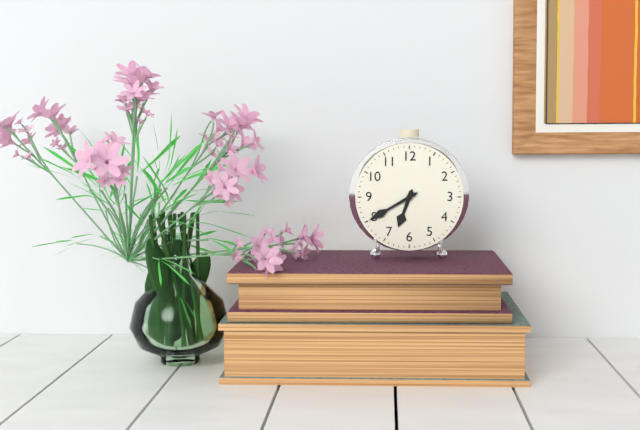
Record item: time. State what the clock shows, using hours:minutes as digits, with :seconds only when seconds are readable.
6:40
